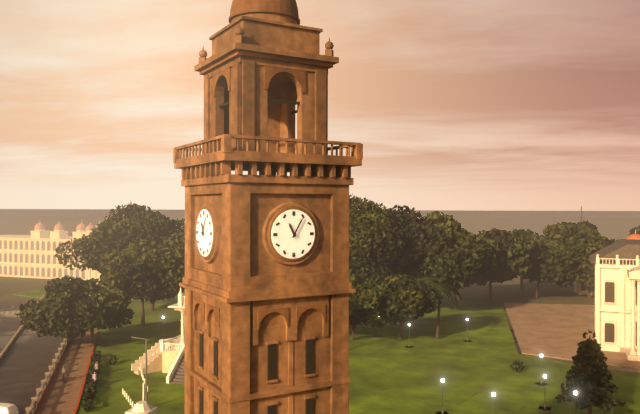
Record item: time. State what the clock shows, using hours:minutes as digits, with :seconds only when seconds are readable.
11:05
